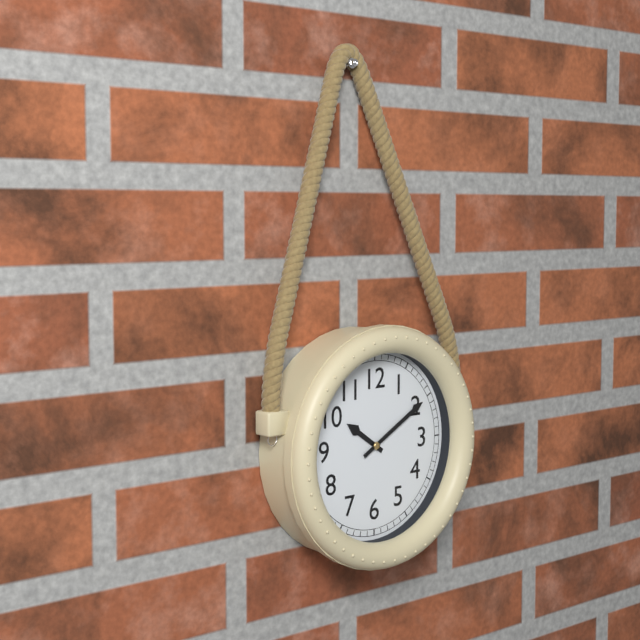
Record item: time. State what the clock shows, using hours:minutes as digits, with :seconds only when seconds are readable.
10:10
